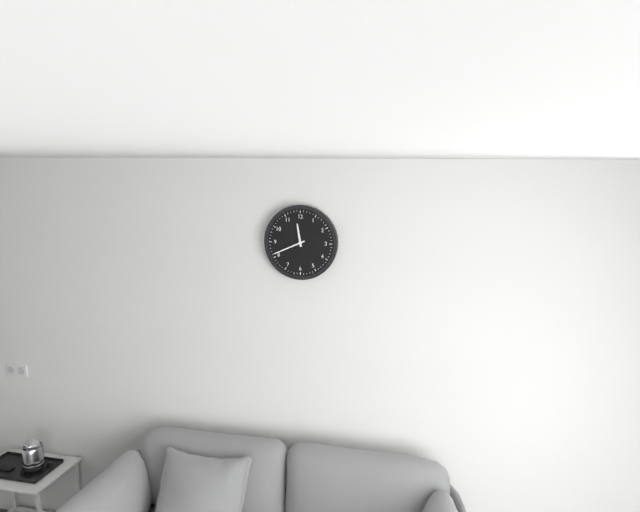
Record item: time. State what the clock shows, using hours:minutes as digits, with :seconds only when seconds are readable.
11:41
